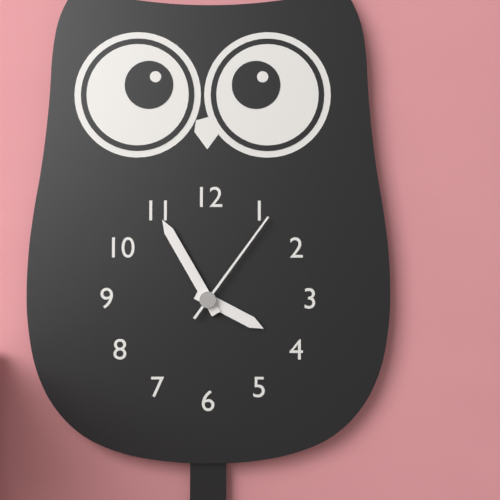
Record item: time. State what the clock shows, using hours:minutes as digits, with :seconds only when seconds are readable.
3:55:06
